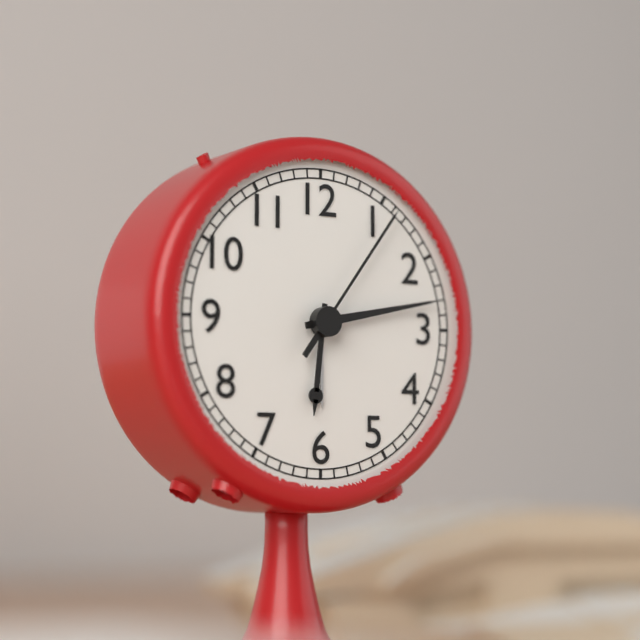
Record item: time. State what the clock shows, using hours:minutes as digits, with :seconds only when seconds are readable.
6:13:06
